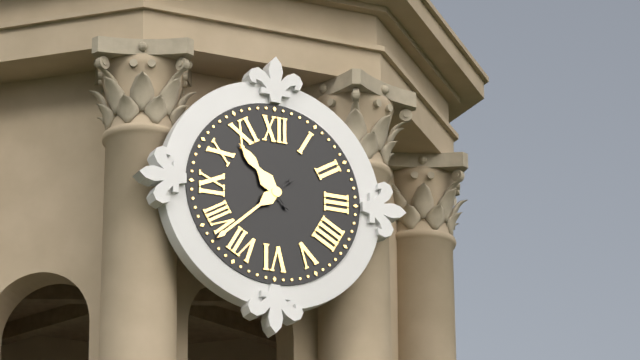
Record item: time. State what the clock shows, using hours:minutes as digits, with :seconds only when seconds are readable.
10:38
